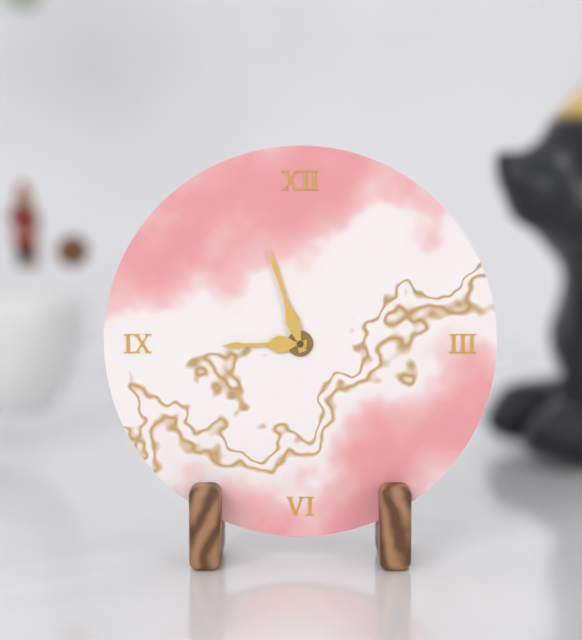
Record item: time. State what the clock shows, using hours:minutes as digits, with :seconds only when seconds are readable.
8:57
